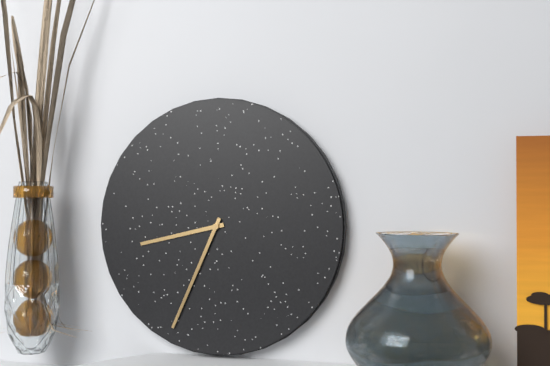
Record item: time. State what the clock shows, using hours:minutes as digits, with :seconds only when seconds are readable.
8:34
